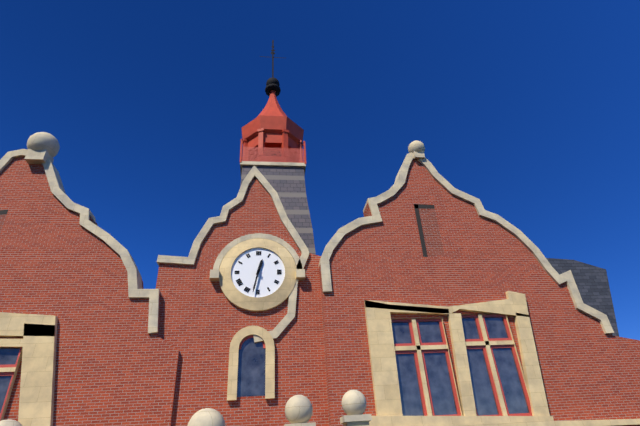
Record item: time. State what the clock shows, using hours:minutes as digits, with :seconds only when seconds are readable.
12:32
